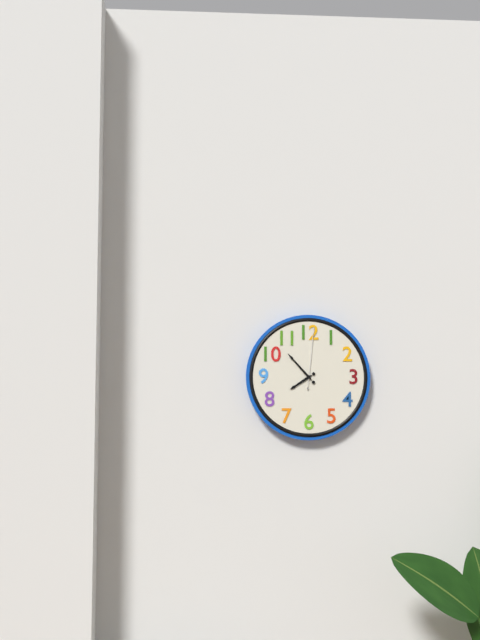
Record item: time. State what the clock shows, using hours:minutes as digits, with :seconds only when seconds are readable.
7:53:01
